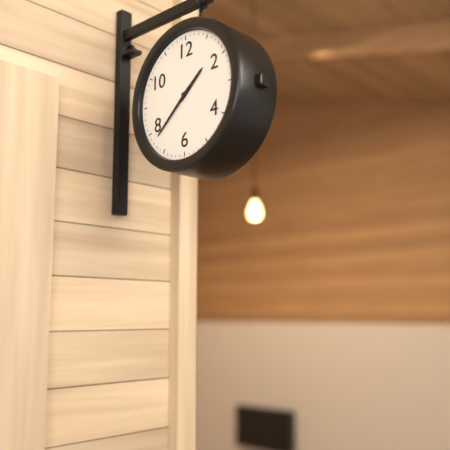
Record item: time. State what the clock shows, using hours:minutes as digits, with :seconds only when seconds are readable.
1:38
